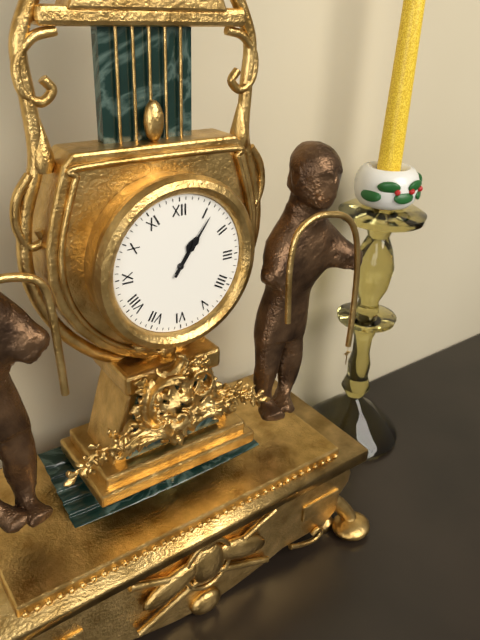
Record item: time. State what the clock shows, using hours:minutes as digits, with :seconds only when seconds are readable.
1:06
